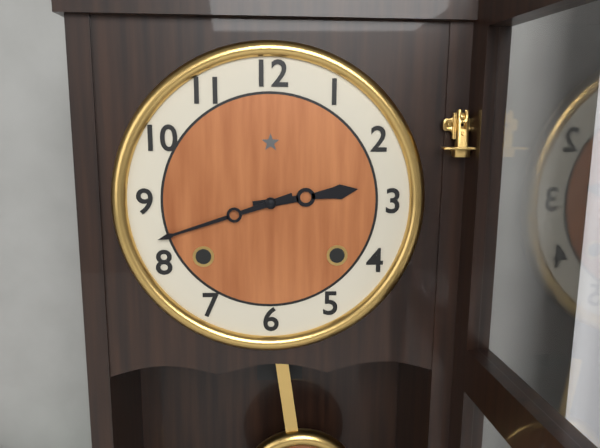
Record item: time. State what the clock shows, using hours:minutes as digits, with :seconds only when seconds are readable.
2:42
